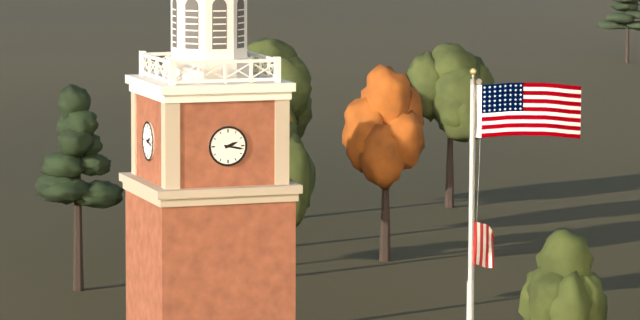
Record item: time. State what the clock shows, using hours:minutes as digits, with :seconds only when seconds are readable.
2:17
